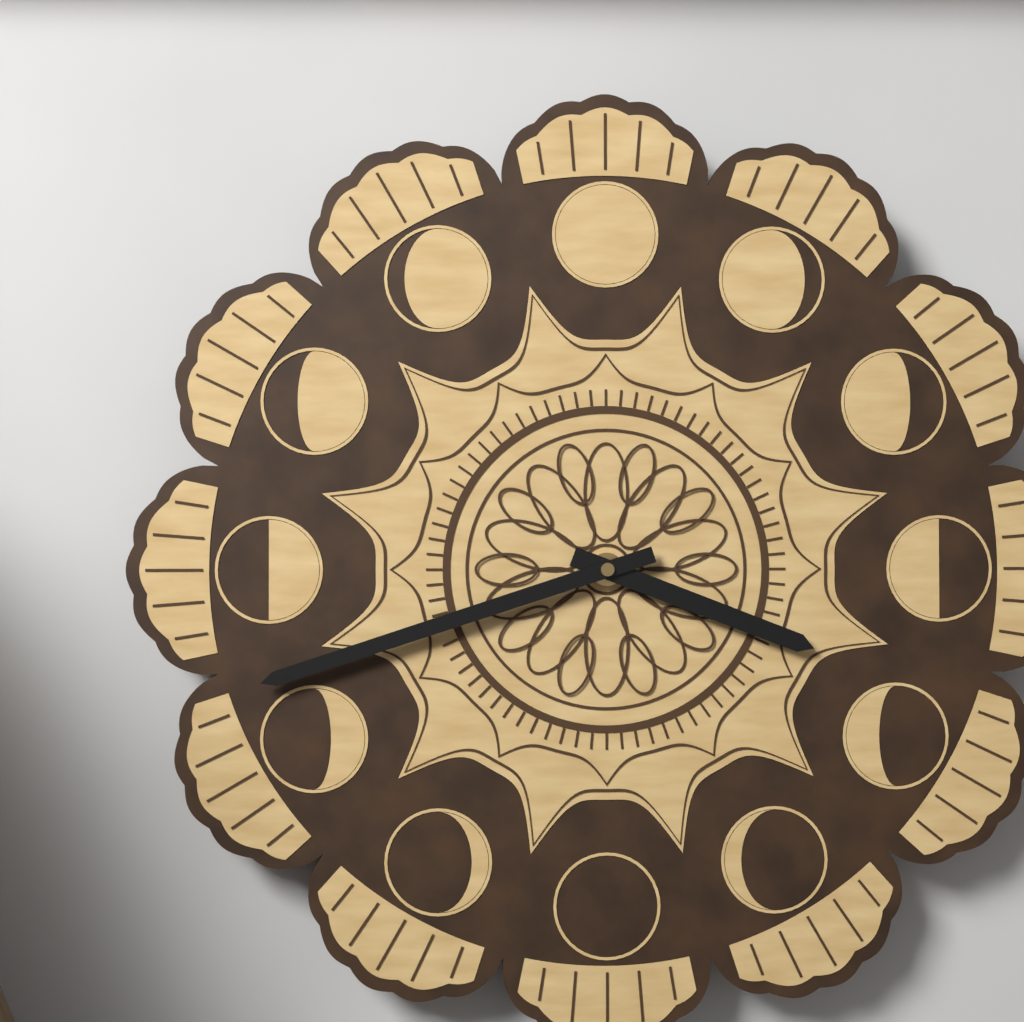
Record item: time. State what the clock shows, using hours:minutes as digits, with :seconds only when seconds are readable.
3:42
